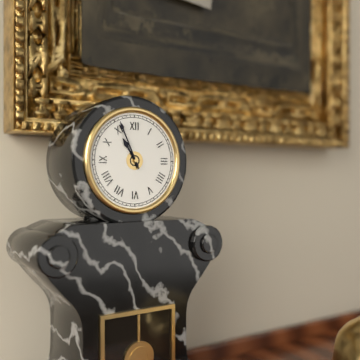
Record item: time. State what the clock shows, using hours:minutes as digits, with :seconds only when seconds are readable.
10:56
